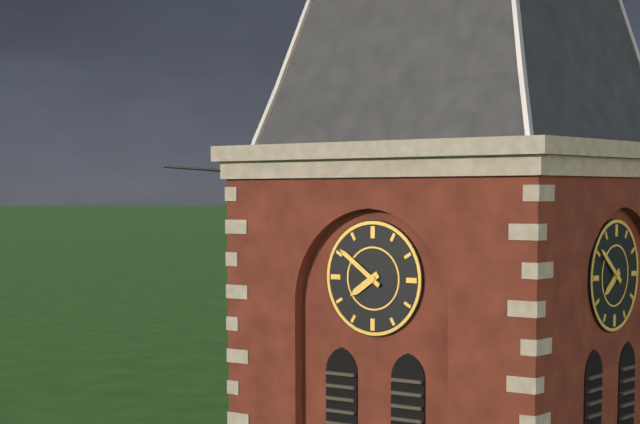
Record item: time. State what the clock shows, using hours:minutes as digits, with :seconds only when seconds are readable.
7:51
